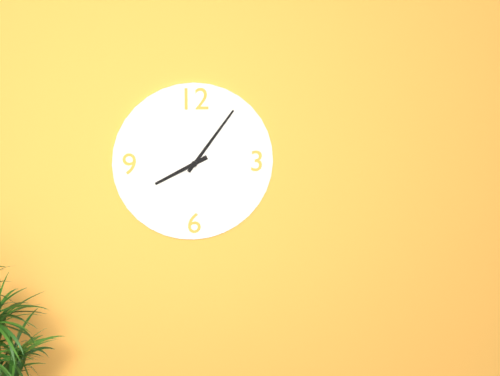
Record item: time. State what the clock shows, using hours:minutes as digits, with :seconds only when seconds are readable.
8:06
